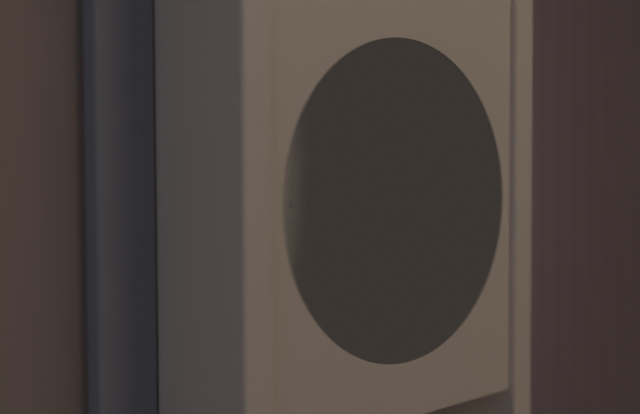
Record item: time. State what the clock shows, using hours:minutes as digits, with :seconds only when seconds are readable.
3:00:46
